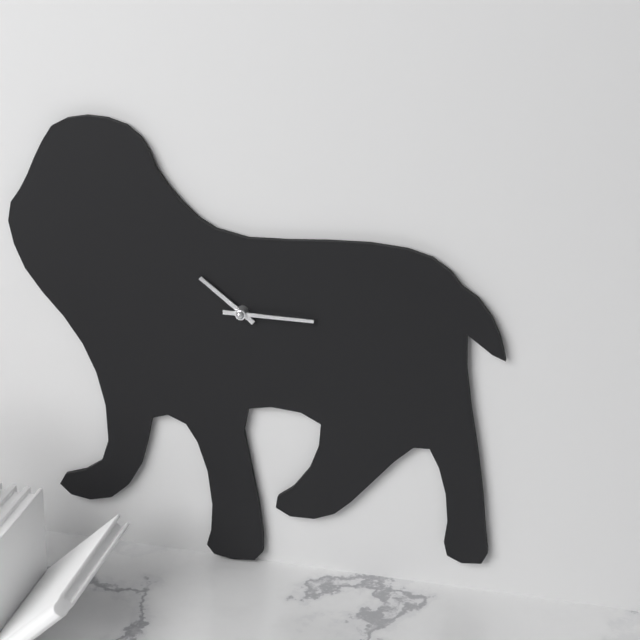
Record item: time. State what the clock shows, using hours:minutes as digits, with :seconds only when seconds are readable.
10:15
